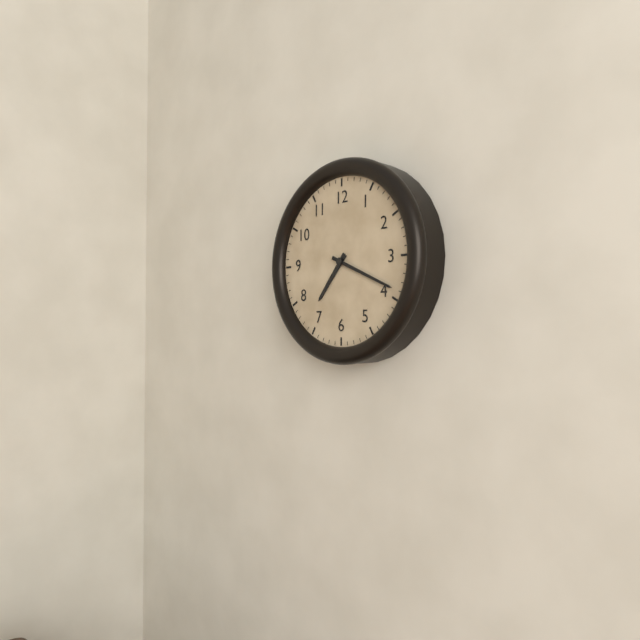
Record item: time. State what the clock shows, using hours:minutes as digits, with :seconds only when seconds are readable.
7:19
